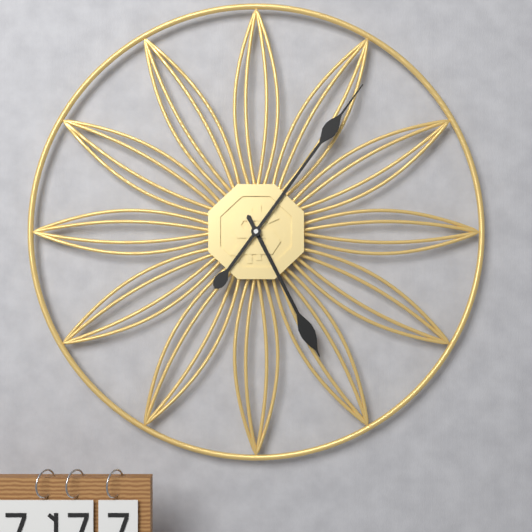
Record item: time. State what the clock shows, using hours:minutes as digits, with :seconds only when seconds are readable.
5:06
